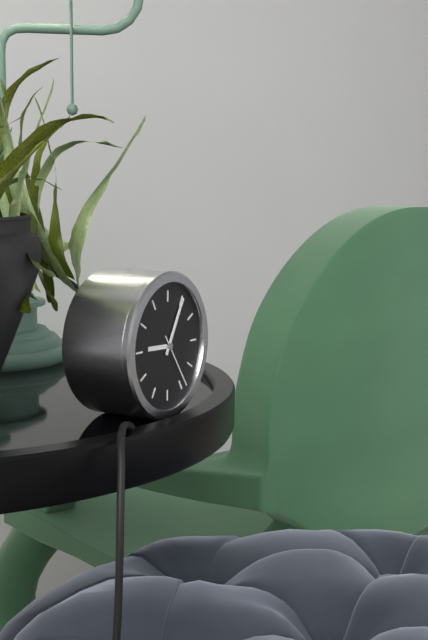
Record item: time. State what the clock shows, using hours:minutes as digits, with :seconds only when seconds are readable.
9:05:24
